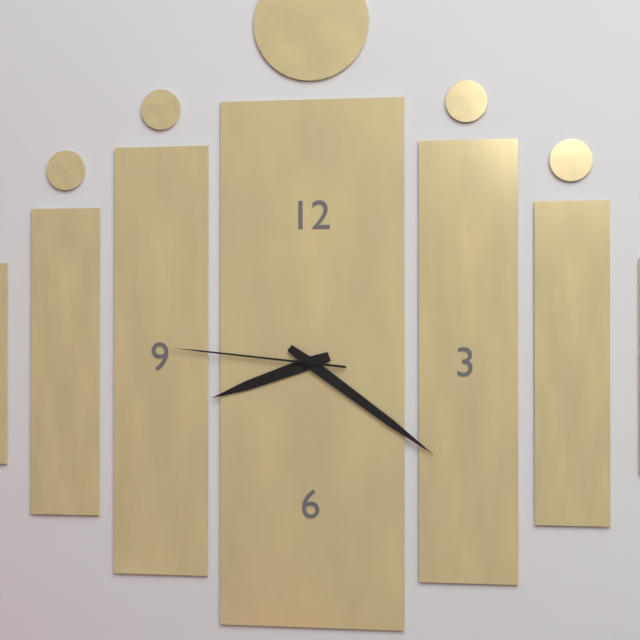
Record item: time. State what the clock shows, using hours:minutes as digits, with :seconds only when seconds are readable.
8:21:46
